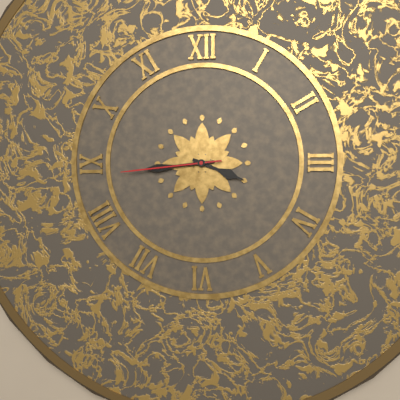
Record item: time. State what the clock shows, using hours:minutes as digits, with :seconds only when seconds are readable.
3:44:44
